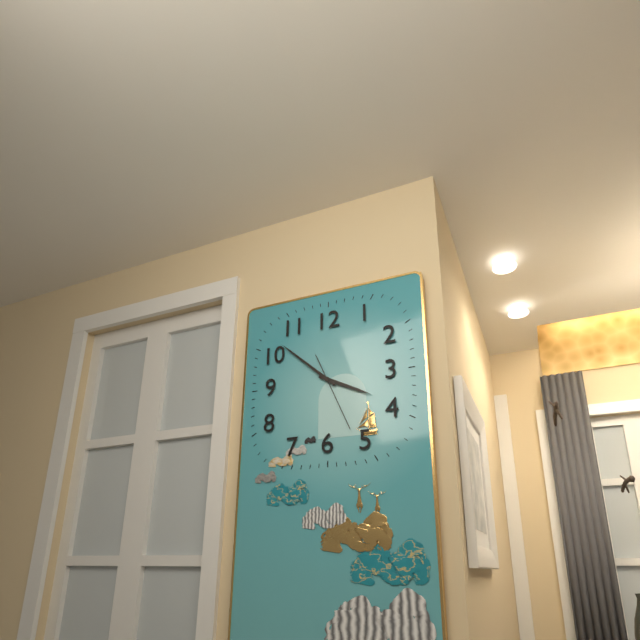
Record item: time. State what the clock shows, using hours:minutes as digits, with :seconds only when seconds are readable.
3:52:26
